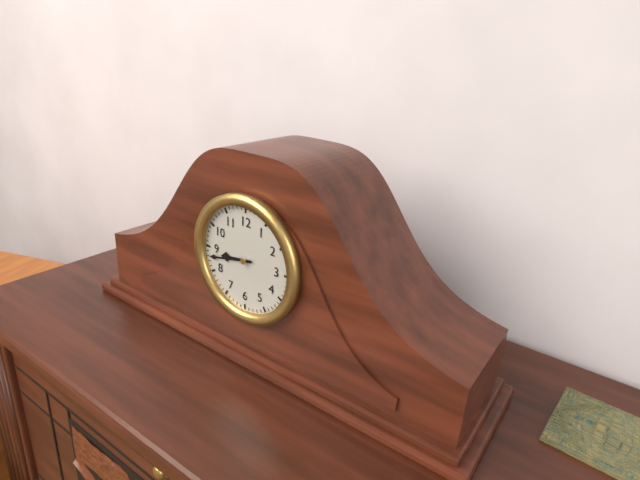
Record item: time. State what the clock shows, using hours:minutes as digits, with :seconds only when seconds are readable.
8:43
